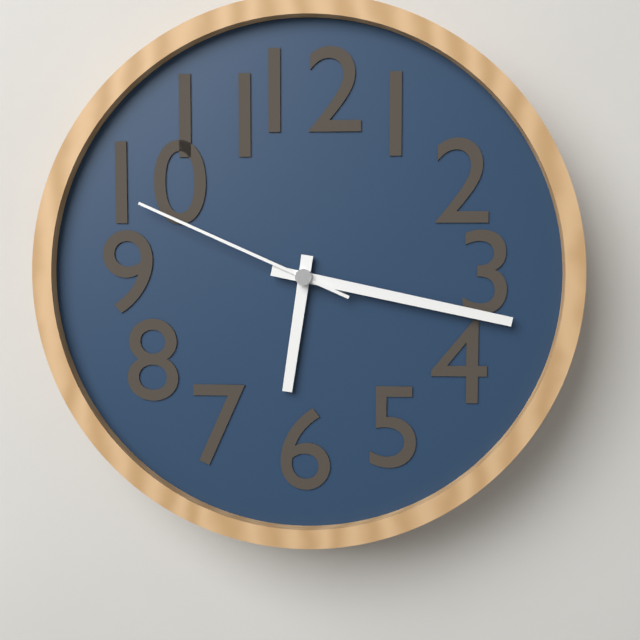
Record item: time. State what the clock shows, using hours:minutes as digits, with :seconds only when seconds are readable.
6:17:49
